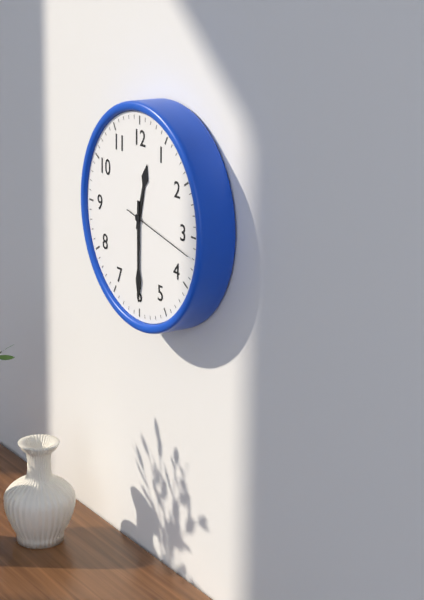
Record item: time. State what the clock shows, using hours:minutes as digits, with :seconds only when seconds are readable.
12:30:17
